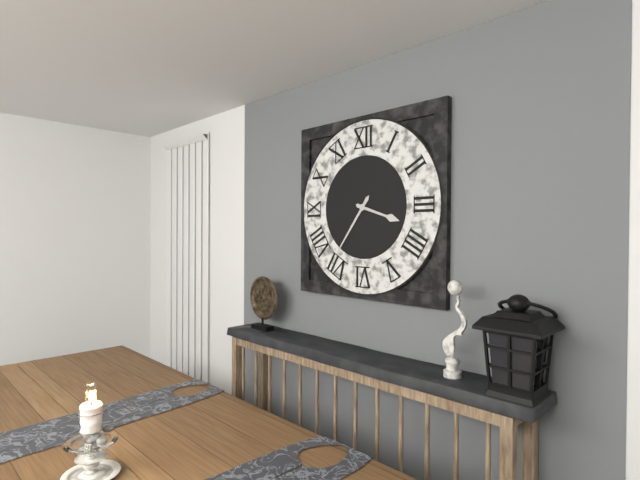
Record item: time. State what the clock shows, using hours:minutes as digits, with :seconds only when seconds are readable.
3:36
